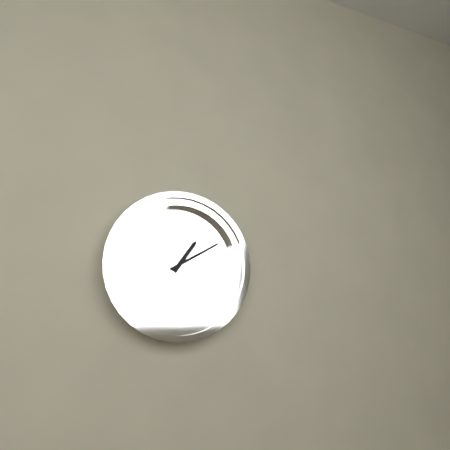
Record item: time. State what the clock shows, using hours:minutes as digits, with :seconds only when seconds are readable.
1:10
